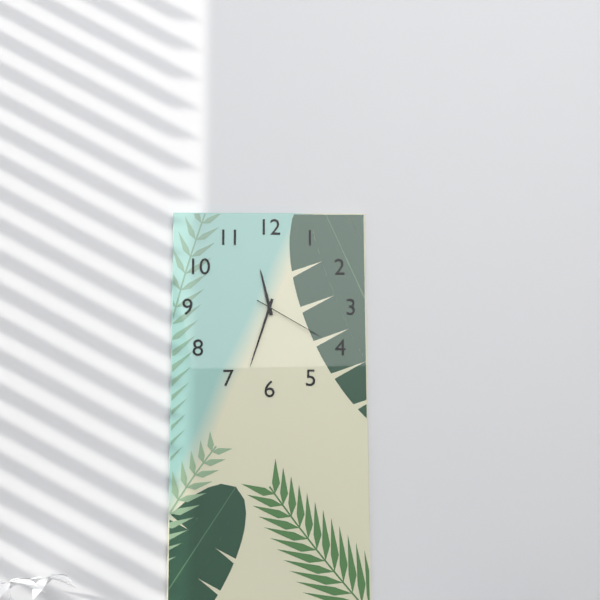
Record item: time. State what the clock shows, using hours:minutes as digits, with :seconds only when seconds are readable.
11:33:20
